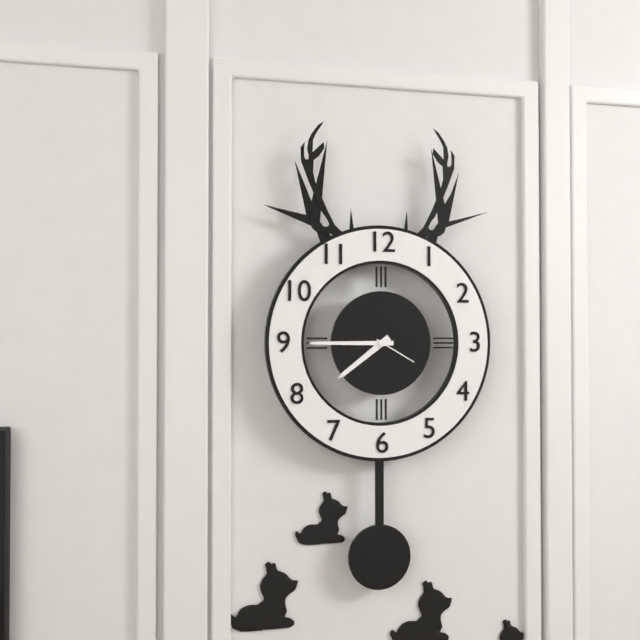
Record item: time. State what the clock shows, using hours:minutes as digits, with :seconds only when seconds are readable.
7:45
